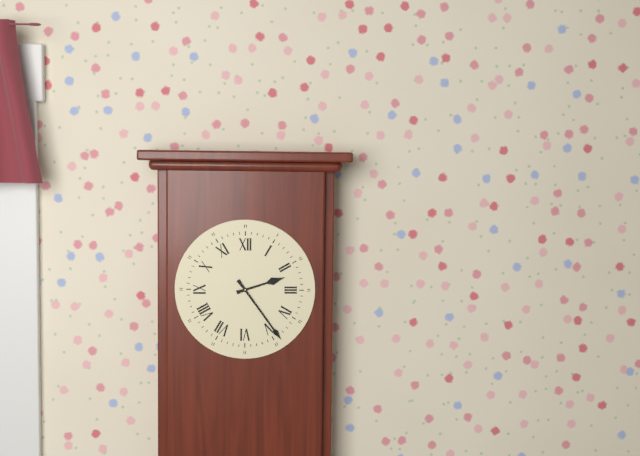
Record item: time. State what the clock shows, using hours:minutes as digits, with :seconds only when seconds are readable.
2:24
